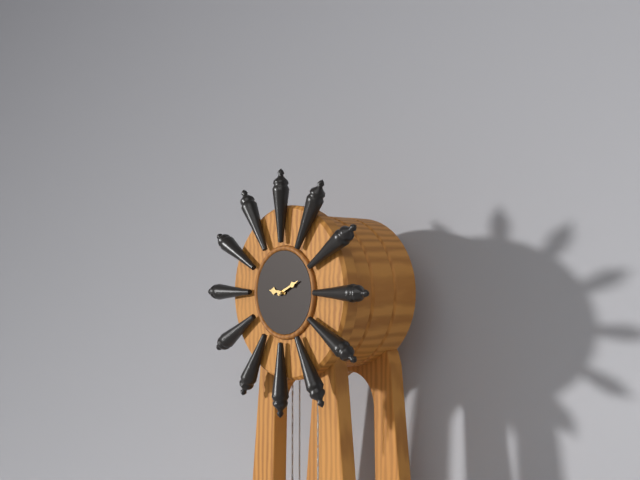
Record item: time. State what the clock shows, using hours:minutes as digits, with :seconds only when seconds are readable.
9:11
